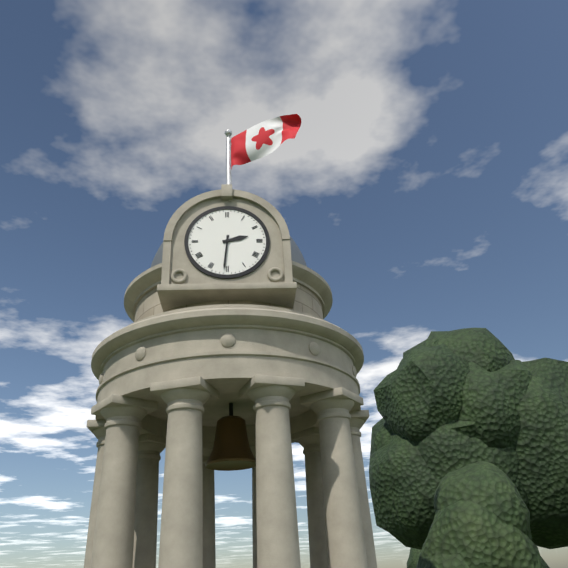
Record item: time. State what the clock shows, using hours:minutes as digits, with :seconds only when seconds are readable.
2:31
